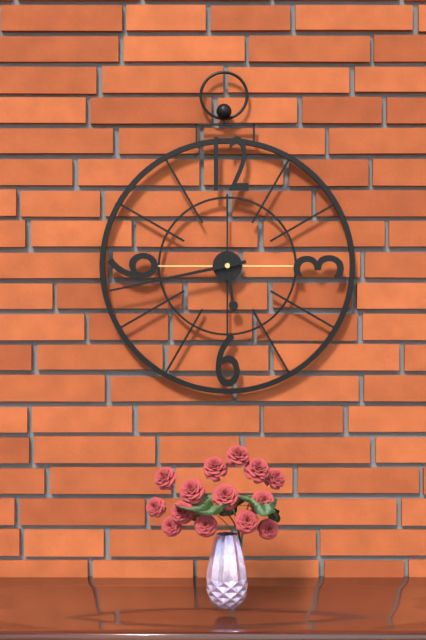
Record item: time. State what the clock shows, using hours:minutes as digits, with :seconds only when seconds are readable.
5:43
